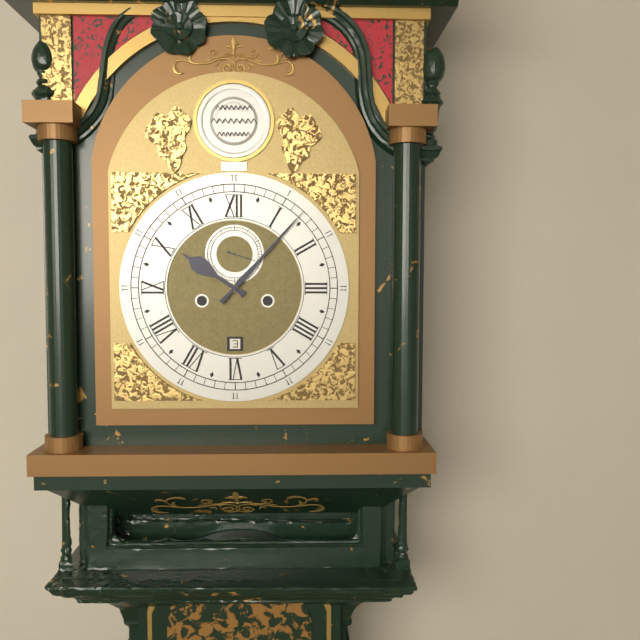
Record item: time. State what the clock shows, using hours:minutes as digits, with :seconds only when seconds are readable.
10:07
